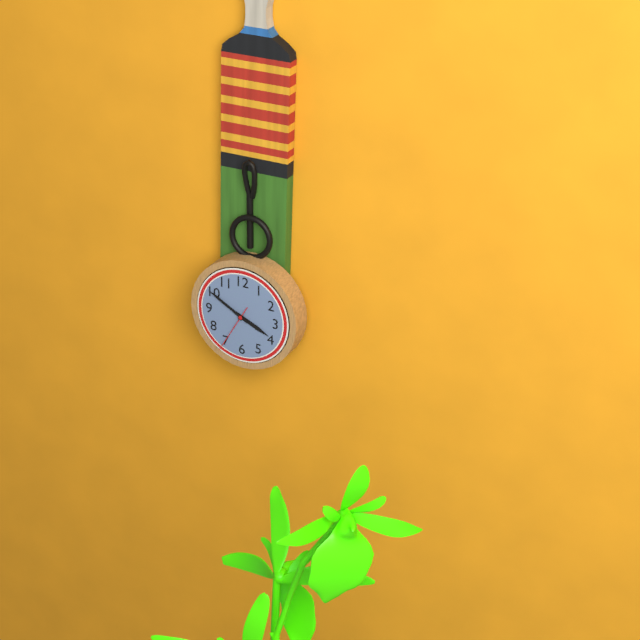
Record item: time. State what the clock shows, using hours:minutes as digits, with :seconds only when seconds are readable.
3:50
